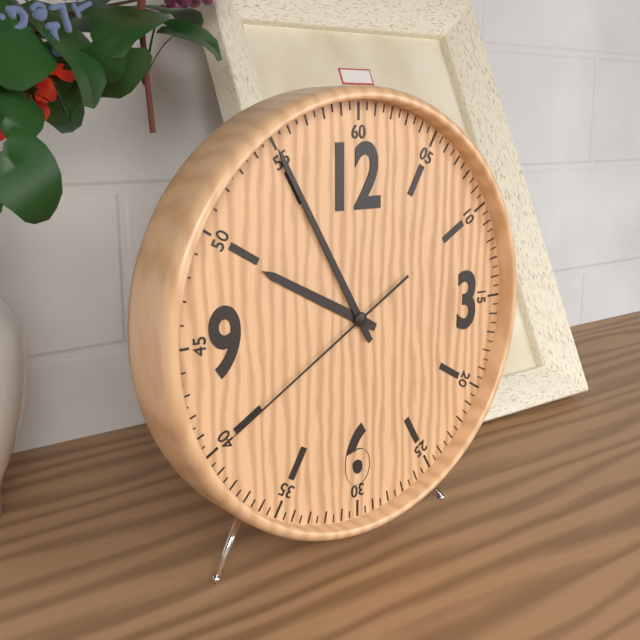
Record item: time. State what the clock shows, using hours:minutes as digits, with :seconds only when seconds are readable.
9:55:40
